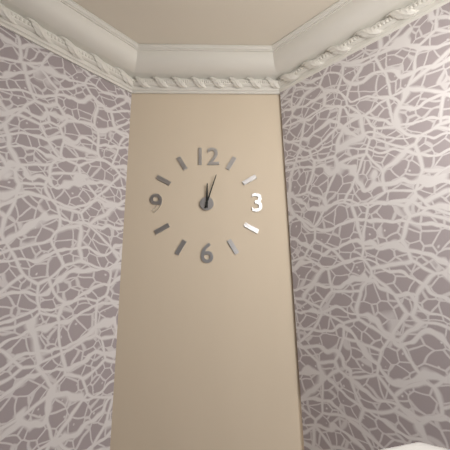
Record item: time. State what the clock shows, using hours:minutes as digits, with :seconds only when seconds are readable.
12:03
